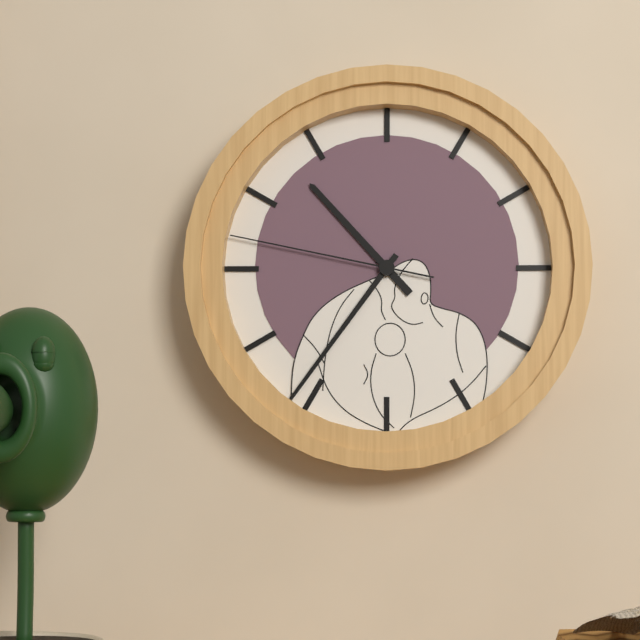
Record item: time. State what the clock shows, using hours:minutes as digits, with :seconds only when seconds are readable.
10:36:47
